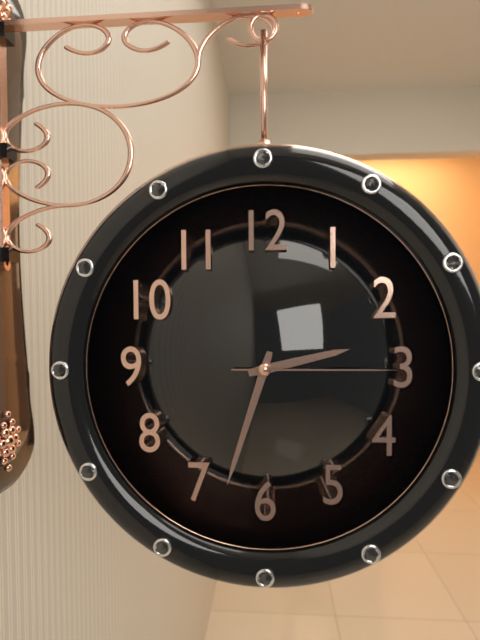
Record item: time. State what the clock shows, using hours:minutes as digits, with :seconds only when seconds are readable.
2:33:15
